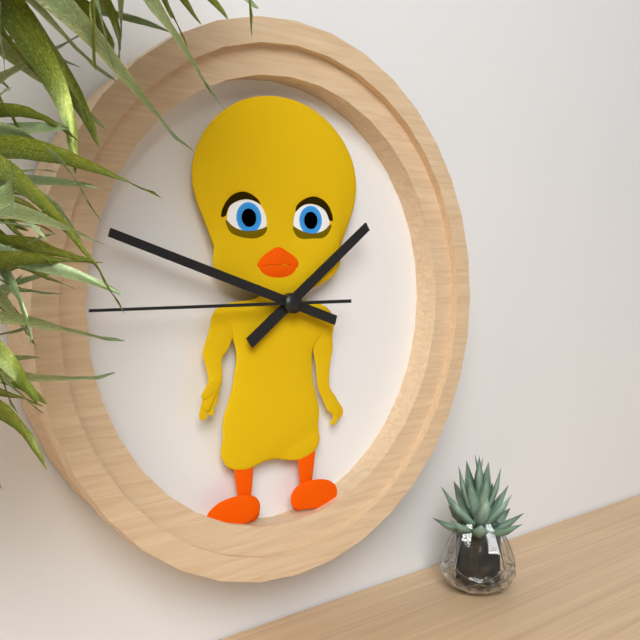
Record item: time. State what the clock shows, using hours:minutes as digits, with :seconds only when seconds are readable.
1:48:45
